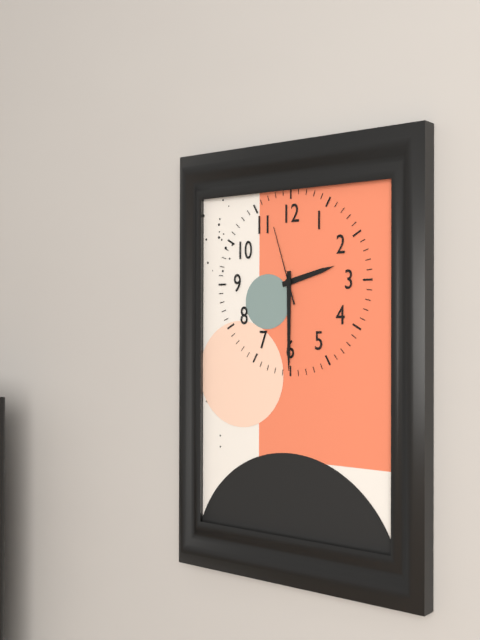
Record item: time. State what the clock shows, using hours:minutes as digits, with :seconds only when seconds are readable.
2:30:57
